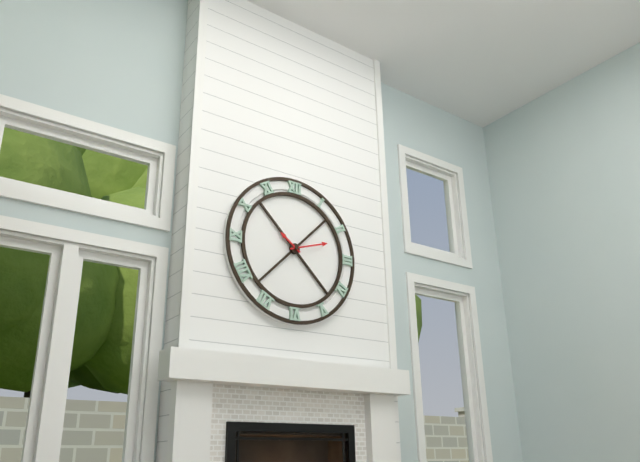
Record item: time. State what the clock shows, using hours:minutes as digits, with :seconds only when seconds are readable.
10:12
